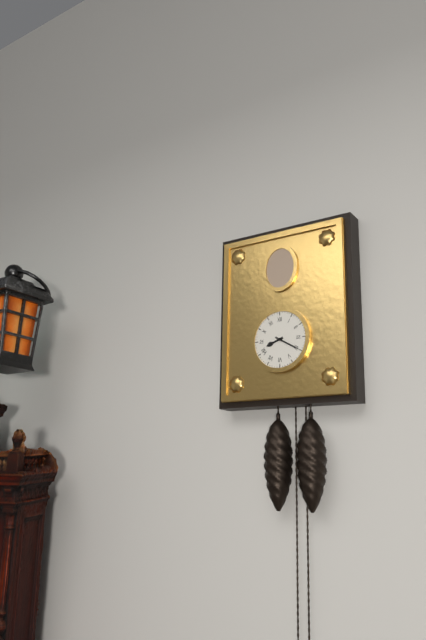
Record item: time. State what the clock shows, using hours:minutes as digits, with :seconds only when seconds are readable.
8:20
